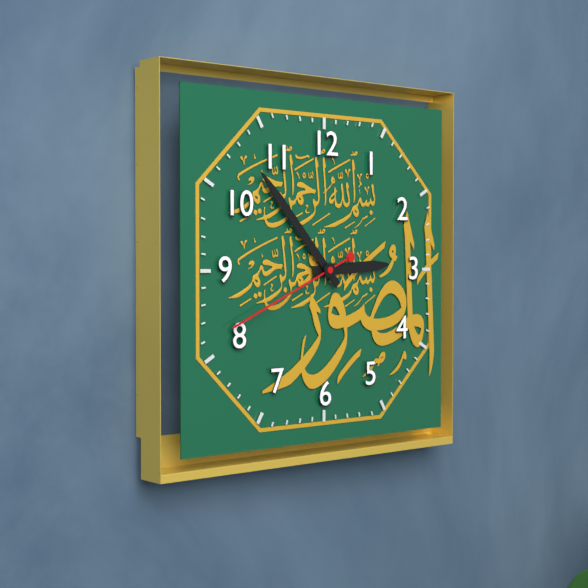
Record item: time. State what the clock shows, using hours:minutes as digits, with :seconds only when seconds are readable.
2:53:41
